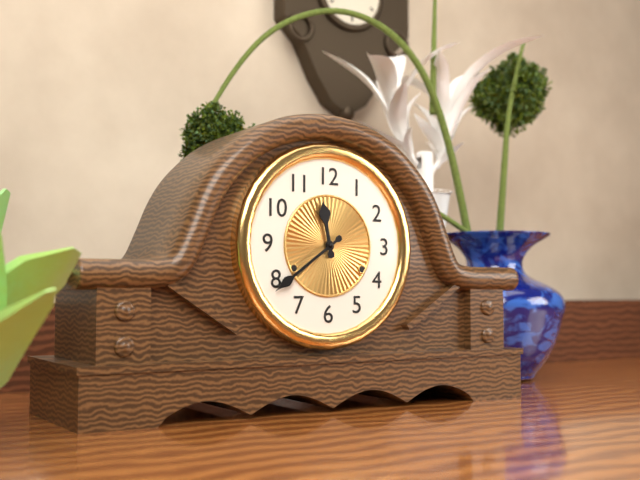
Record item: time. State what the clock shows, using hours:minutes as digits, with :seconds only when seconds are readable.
11:39
